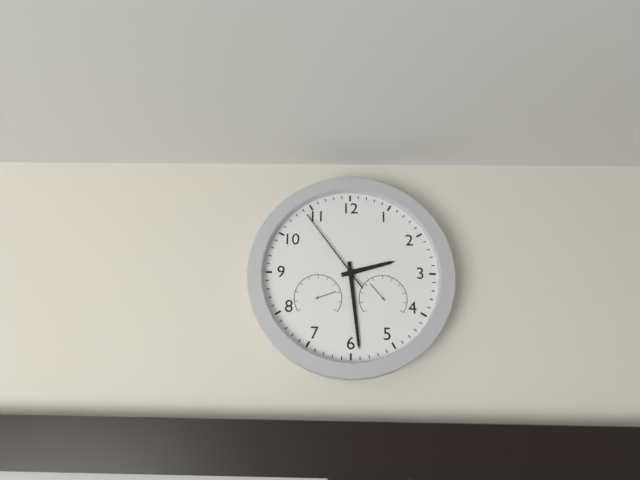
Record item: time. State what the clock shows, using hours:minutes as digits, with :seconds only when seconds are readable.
2:29:54
